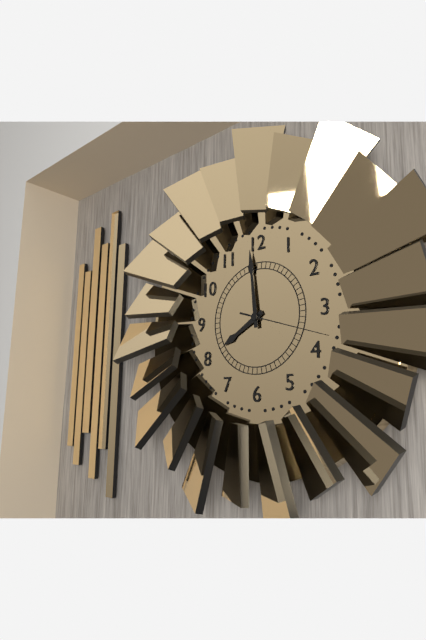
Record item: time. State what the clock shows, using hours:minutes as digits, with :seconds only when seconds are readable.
7:59:18
